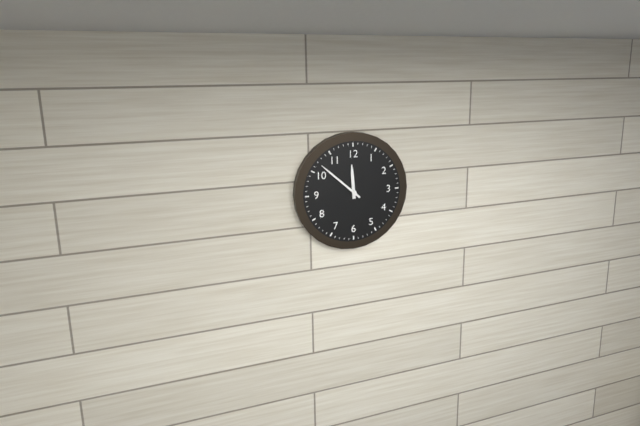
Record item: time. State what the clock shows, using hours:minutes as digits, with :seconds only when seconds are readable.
11:52
